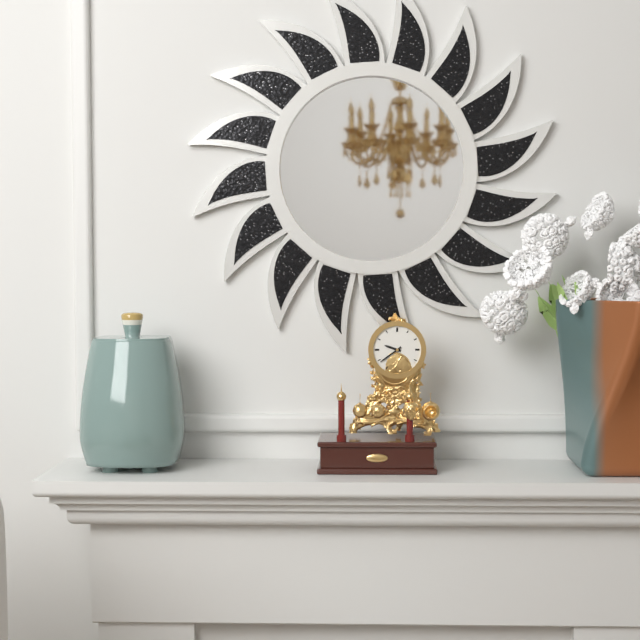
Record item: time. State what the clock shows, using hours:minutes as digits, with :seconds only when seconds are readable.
9:39
